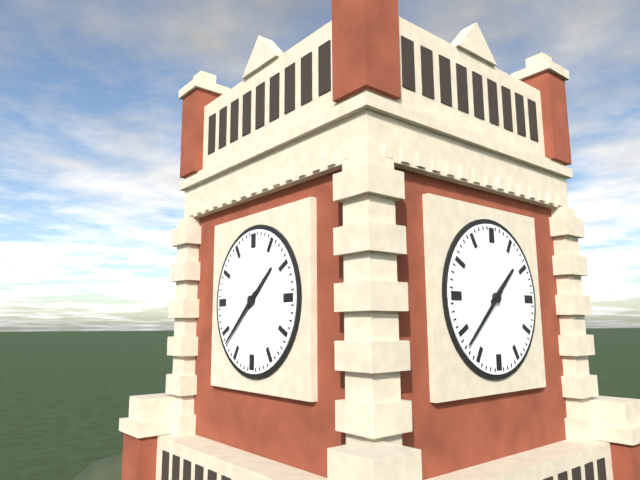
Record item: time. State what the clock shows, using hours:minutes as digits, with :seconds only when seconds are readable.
1:38
